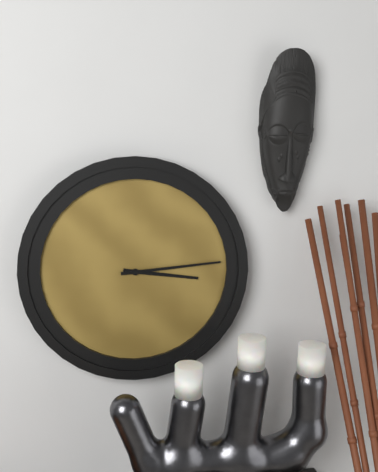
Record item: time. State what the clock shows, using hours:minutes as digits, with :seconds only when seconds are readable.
3:14
